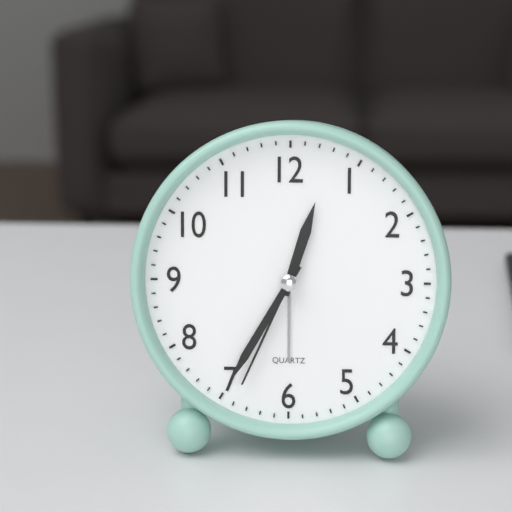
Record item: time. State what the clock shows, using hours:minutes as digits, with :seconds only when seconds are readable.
12:35:34
